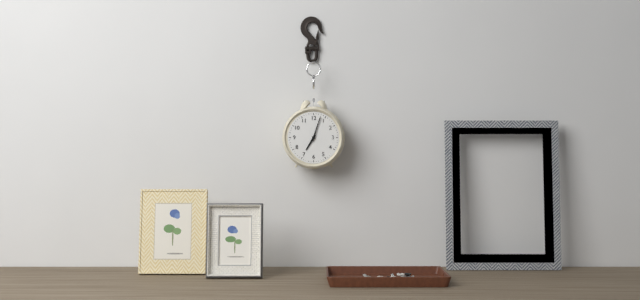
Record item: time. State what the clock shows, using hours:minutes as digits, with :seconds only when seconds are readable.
7:03
